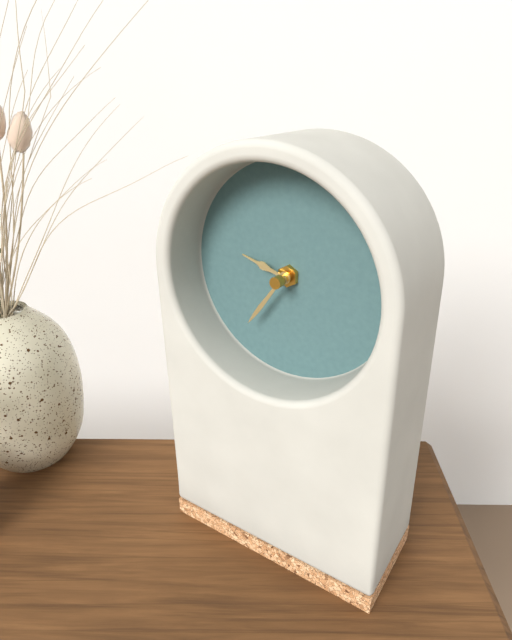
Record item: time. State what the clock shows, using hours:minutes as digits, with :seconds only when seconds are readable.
9:36
